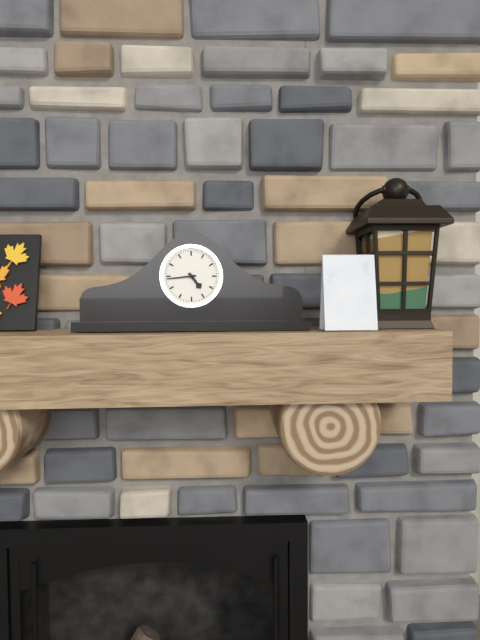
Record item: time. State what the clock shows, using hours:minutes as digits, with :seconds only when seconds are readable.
4:44
